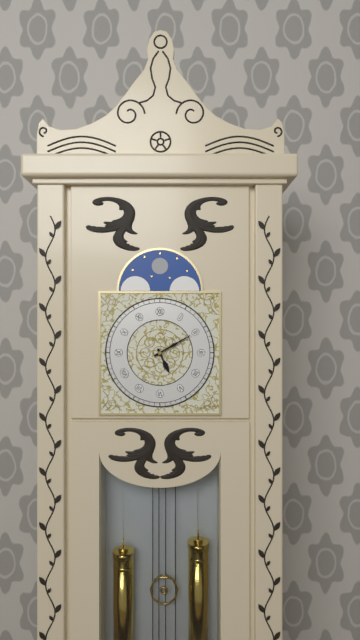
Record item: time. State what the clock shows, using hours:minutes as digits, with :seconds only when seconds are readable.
5:10
